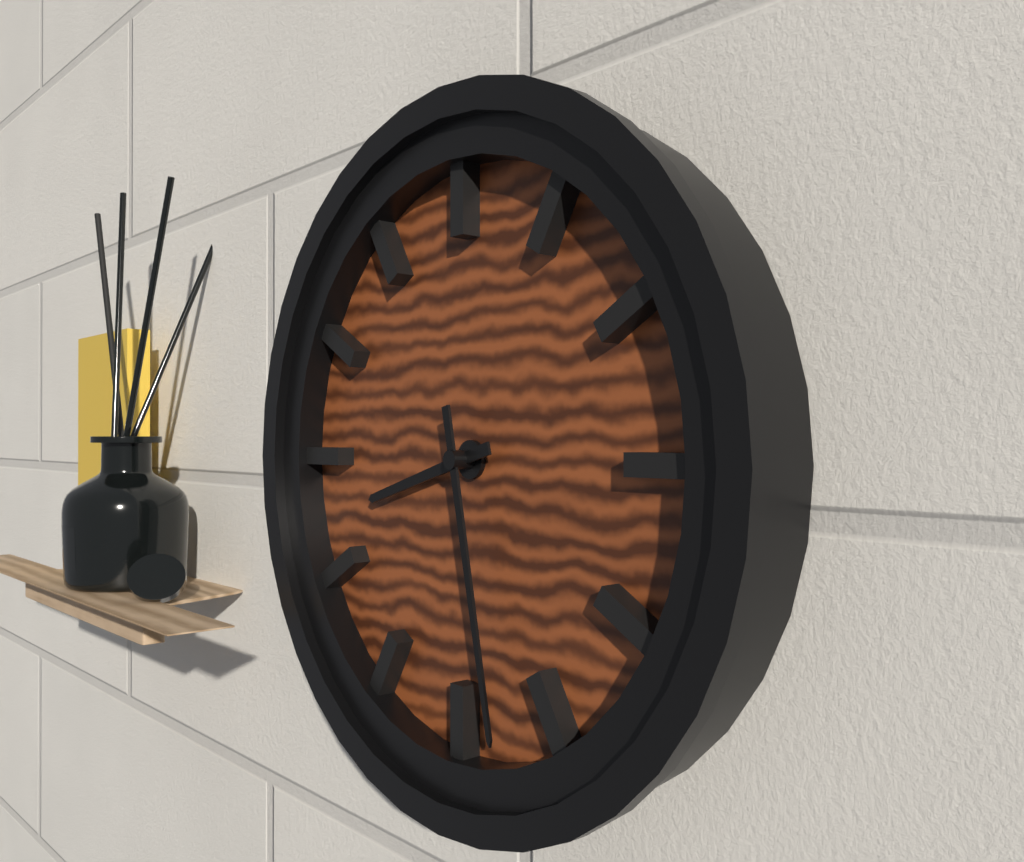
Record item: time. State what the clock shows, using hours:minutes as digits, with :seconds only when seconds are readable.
8:28
